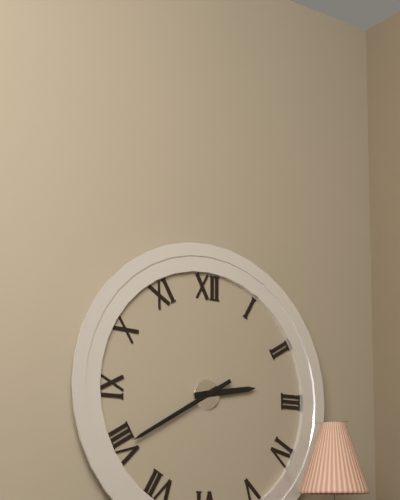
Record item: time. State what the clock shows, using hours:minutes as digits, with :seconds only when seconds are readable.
2:40
